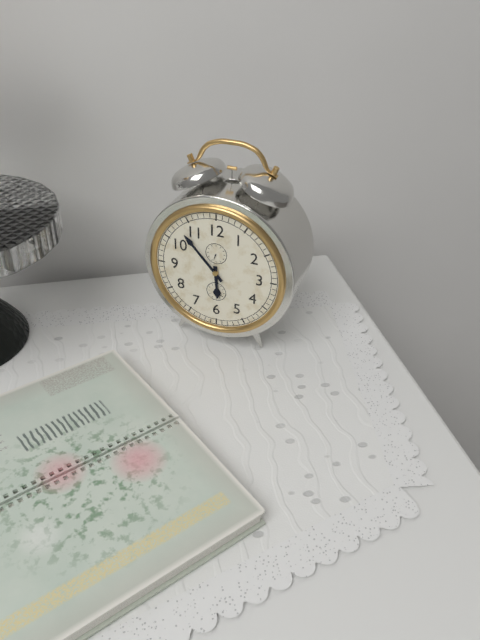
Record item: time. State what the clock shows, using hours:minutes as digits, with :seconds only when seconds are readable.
5:53
